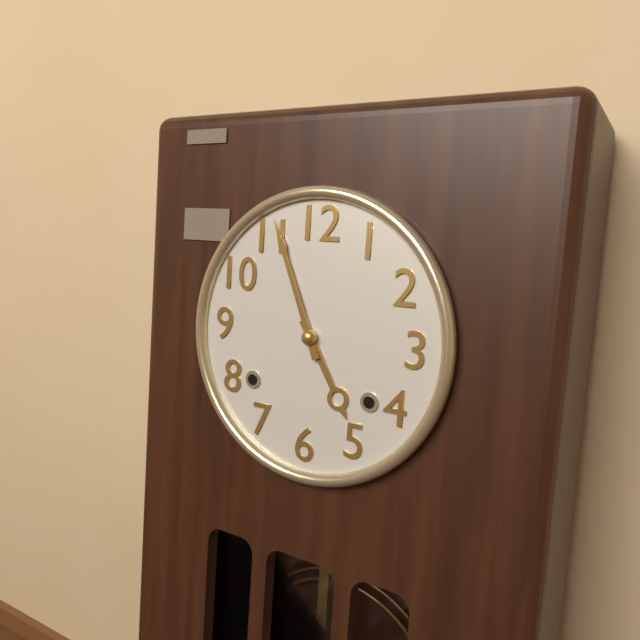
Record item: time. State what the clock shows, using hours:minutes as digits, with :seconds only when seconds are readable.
4:56
